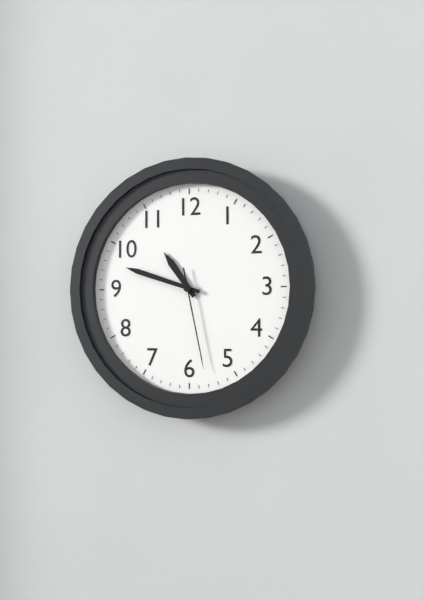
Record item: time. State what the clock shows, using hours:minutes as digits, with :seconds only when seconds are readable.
10:48:28
